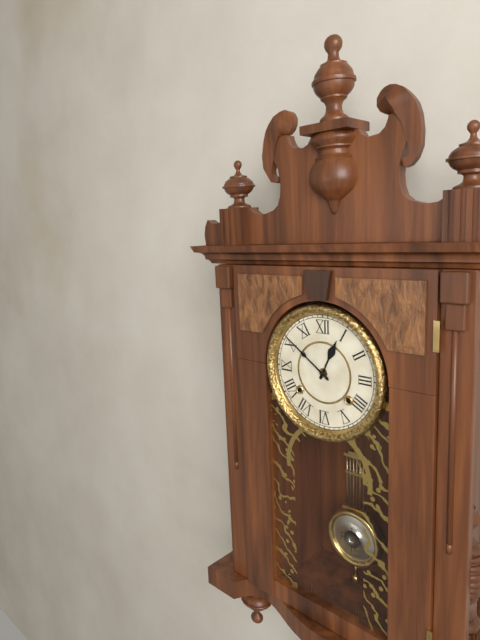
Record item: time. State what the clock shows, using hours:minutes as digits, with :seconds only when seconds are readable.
12:51
